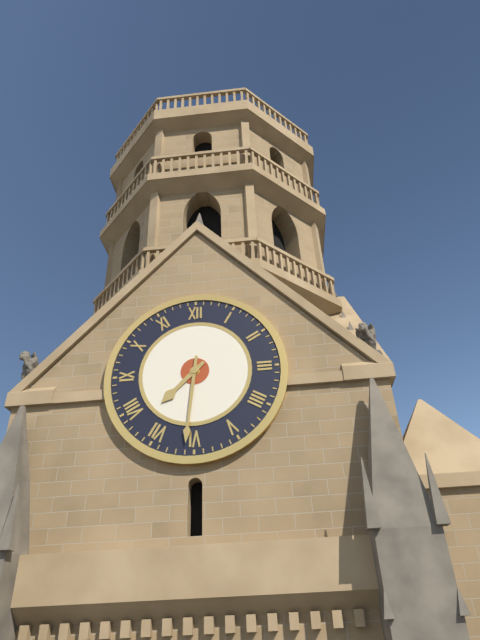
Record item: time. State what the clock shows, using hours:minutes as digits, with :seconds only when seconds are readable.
7:31
